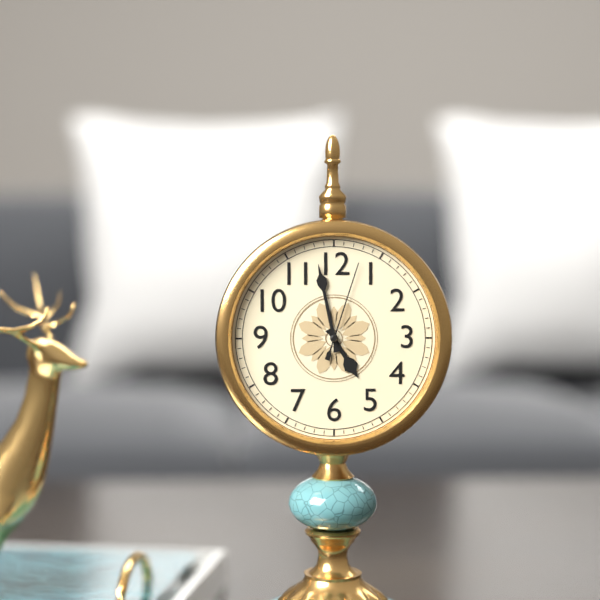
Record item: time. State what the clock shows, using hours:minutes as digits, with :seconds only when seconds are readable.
4:58:03
